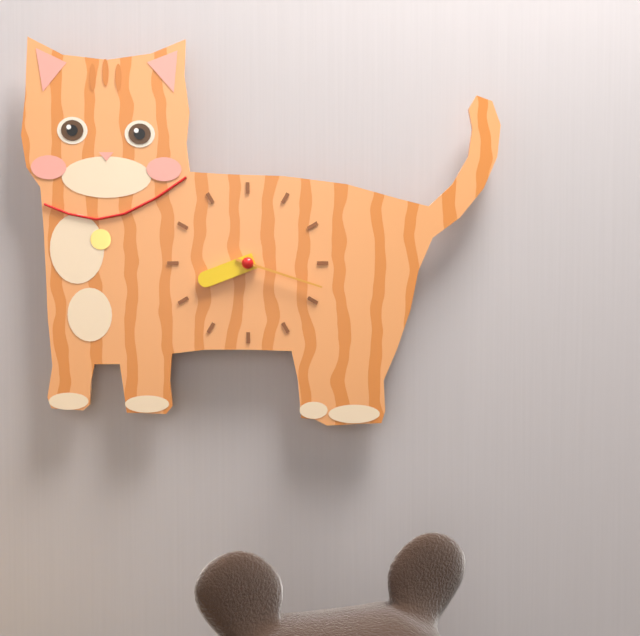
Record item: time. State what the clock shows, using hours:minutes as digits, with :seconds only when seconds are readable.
8:18
